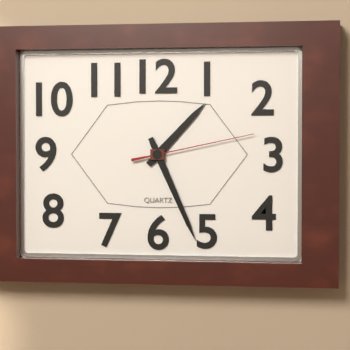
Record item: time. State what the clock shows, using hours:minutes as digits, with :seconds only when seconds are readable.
1:26:13
